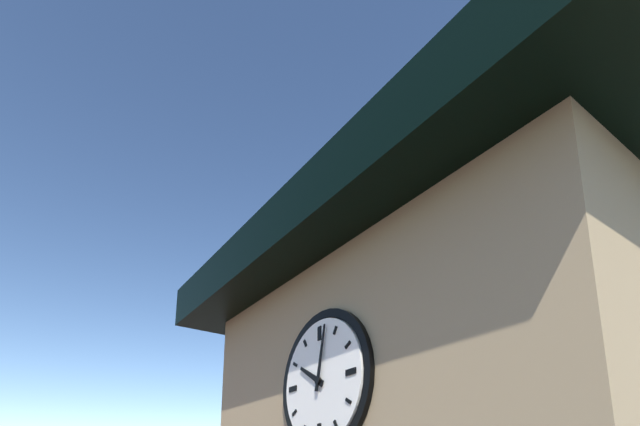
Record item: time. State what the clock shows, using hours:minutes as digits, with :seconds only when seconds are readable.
10:02
